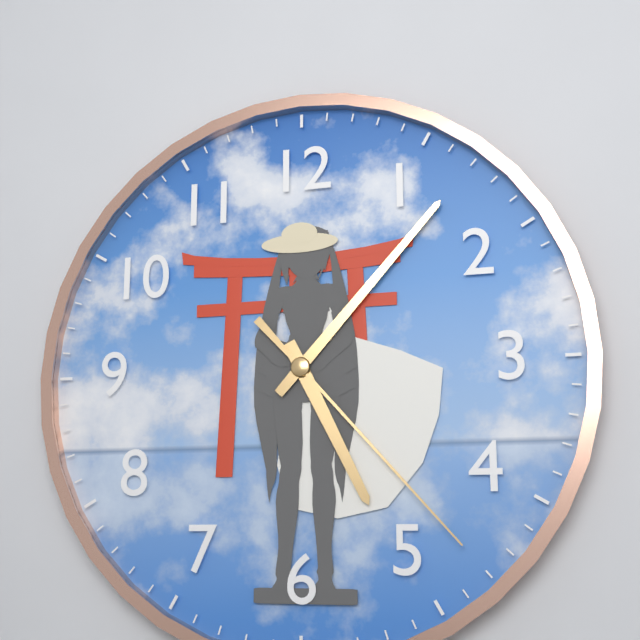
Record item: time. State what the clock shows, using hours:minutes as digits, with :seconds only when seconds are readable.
5:07:23
